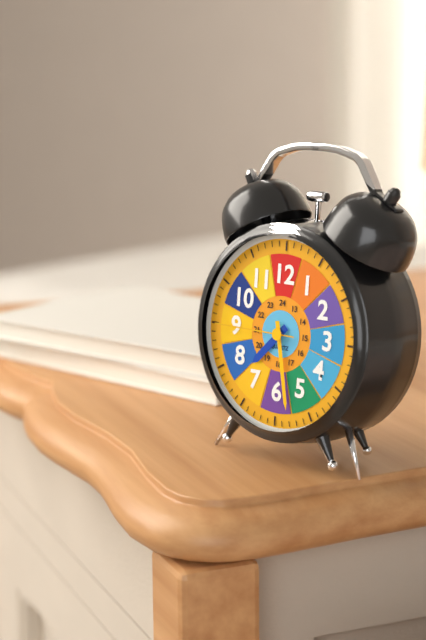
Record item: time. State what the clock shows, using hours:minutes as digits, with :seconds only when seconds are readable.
7:28:45
